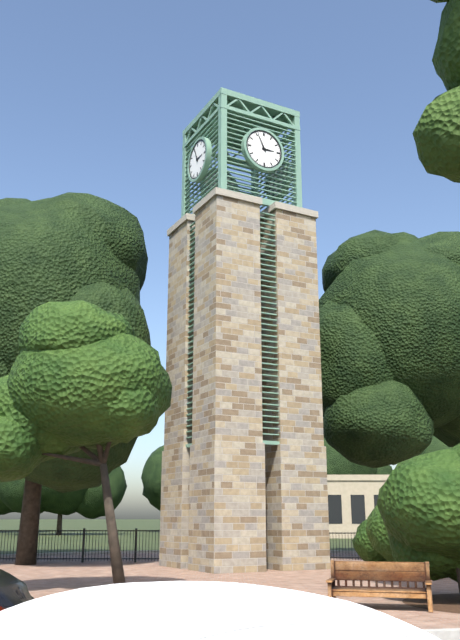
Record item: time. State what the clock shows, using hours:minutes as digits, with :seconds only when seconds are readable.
2:56
